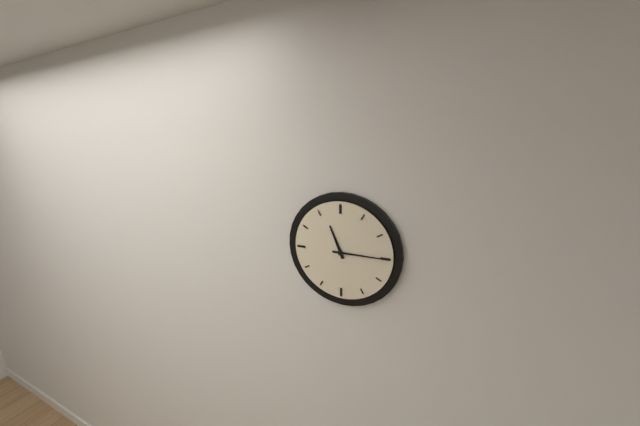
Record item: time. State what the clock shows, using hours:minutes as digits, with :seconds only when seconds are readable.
11:15
